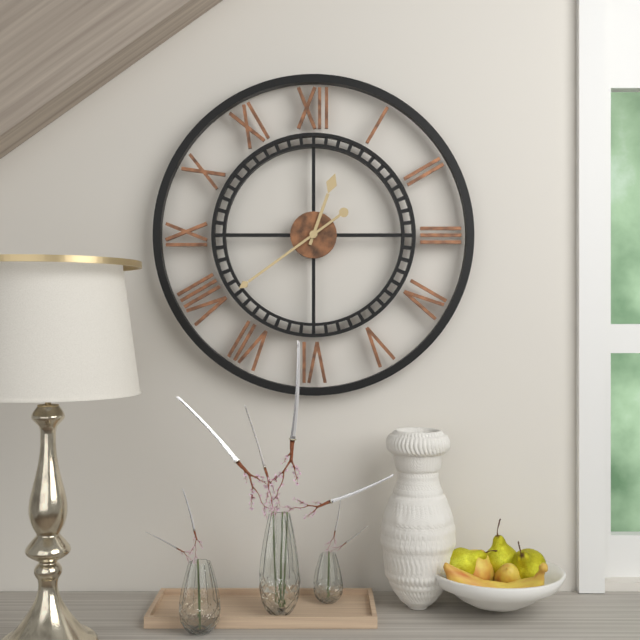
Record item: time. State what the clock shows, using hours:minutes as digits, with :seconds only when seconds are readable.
12:39
